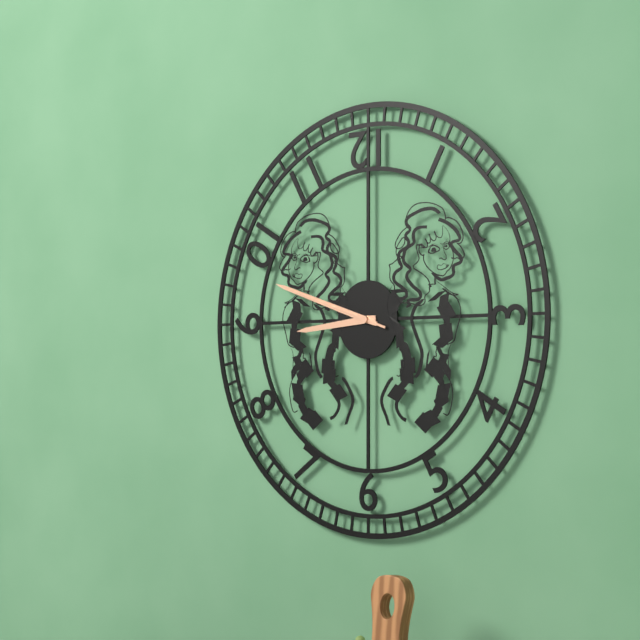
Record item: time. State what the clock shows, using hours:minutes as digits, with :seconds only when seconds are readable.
8:48:48
